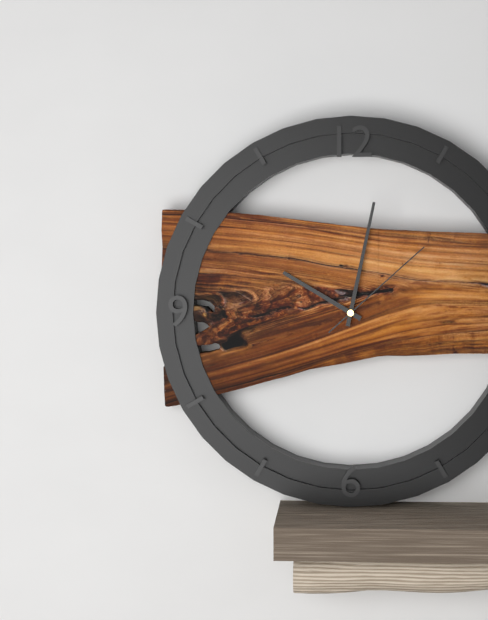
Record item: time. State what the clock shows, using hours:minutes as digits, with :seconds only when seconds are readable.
10:02:08
